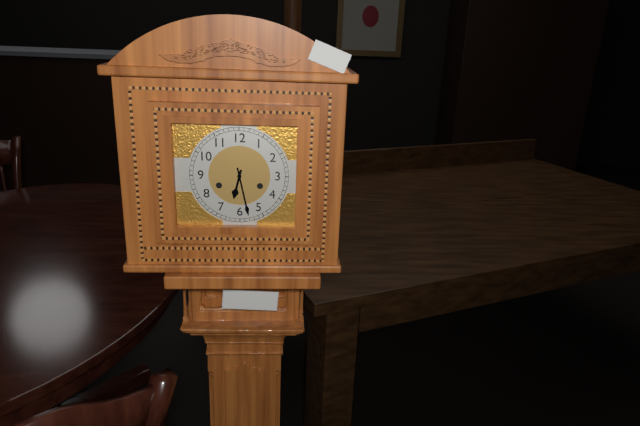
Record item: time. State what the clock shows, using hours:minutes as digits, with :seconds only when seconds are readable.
6:28
